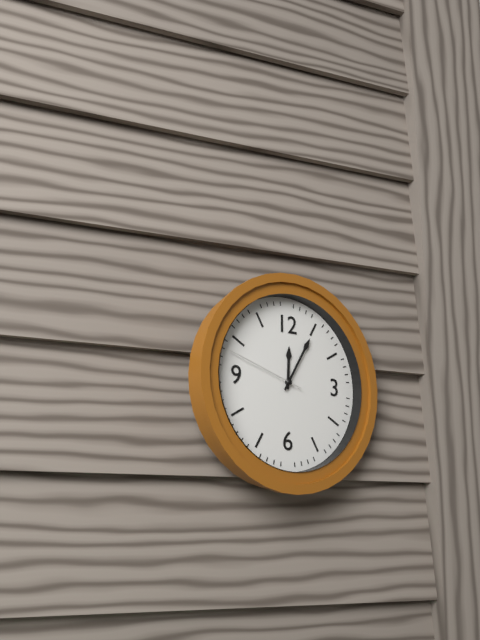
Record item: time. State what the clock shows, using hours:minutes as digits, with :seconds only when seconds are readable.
12:05:48
